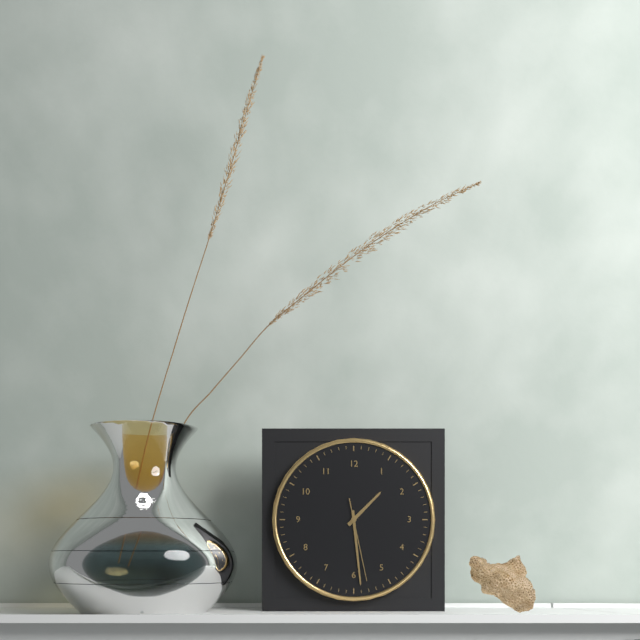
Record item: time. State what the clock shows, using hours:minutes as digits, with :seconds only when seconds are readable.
1:29:28
